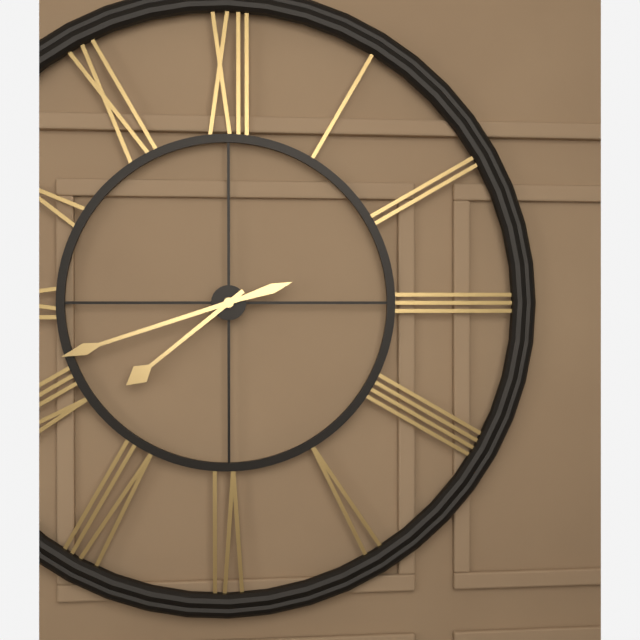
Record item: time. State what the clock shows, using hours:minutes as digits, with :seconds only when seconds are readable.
7:42
